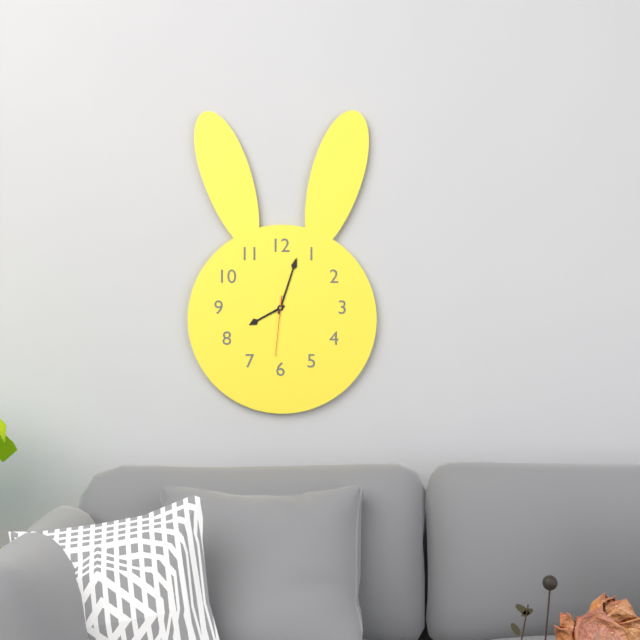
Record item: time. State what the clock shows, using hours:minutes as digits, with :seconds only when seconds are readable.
8:03:31
